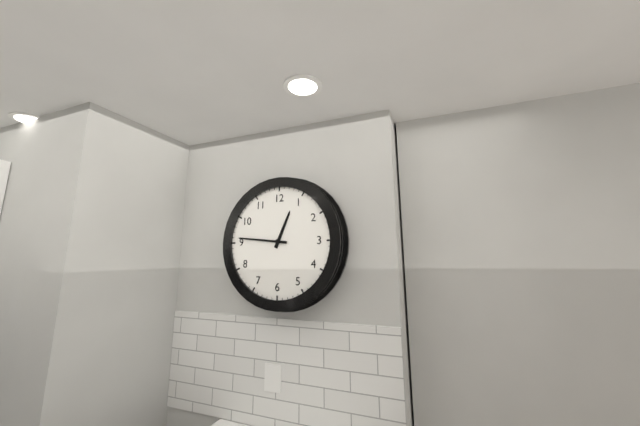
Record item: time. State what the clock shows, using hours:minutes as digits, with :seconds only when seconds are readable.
12:46
